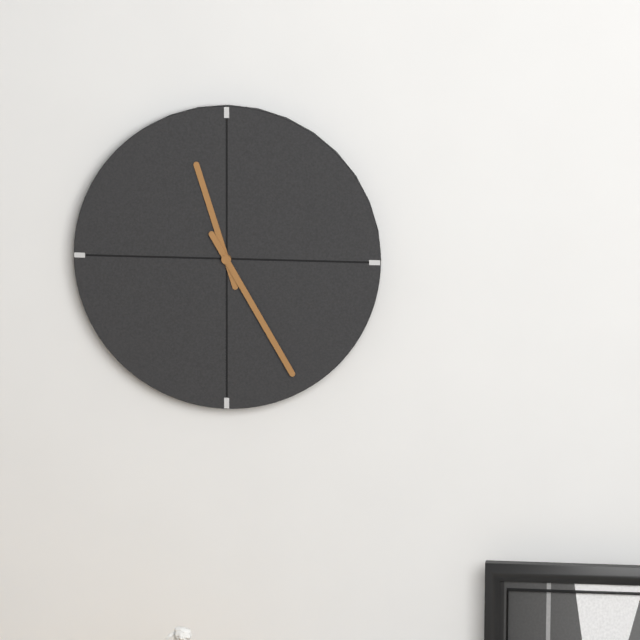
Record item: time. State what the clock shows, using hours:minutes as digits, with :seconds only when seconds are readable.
11:25
